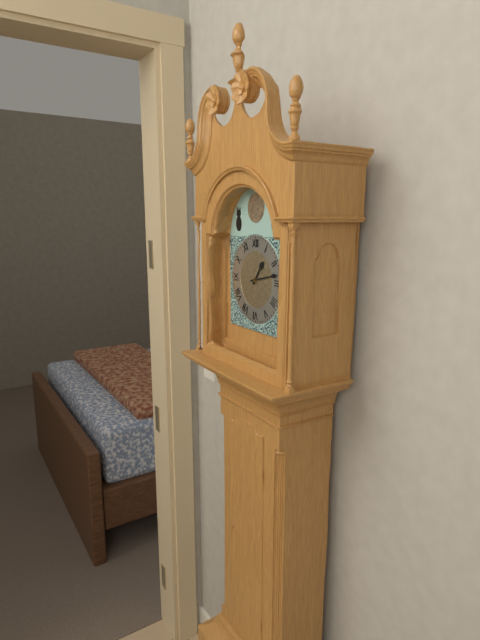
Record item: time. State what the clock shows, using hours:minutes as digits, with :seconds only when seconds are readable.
1:13
